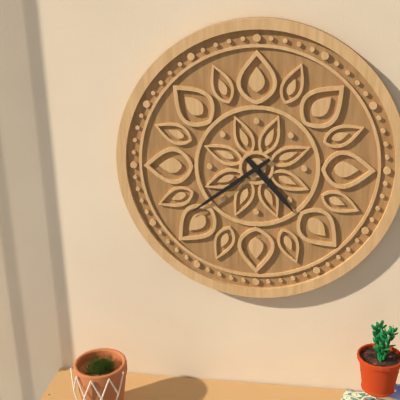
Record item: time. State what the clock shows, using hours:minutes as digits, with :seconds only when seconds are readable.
4:39
